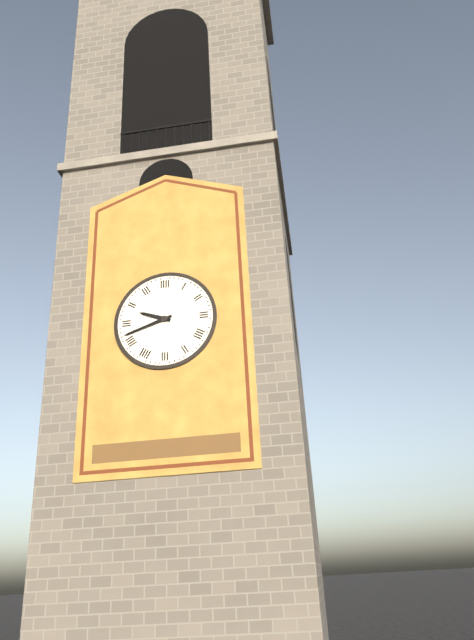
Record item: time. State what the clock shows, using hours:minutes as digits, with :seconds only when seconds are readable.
9:42
